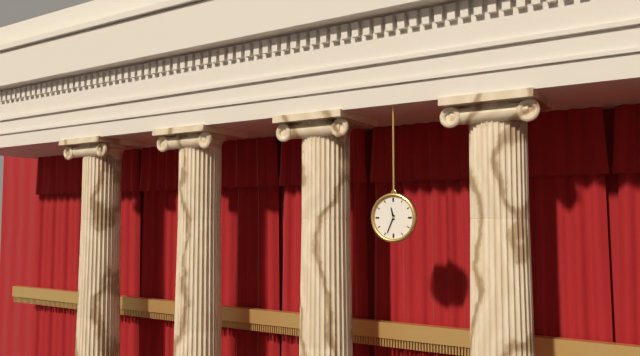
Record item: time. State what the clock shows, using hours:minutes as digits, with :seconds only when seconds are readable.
11:34
